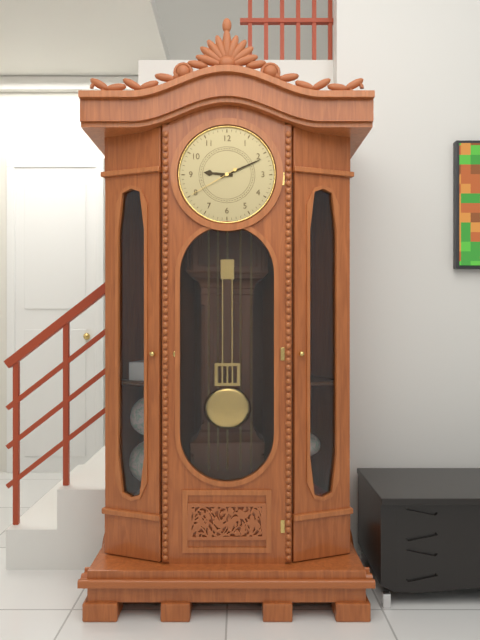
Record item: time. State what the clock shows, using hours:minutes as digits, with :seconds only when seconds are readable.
9:11
